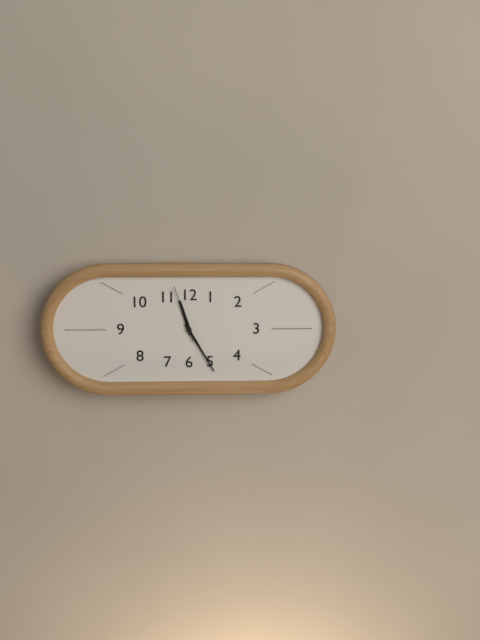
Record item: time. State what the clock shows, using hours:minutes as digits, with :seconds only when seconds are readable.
11:25:57
